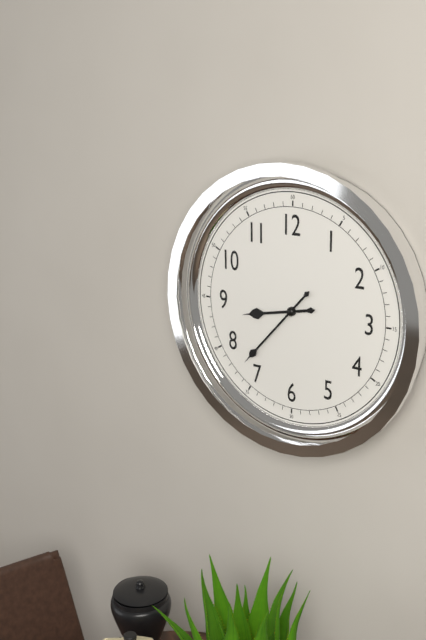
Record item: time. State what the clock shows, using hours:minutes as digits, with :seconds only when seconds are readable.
8:37
